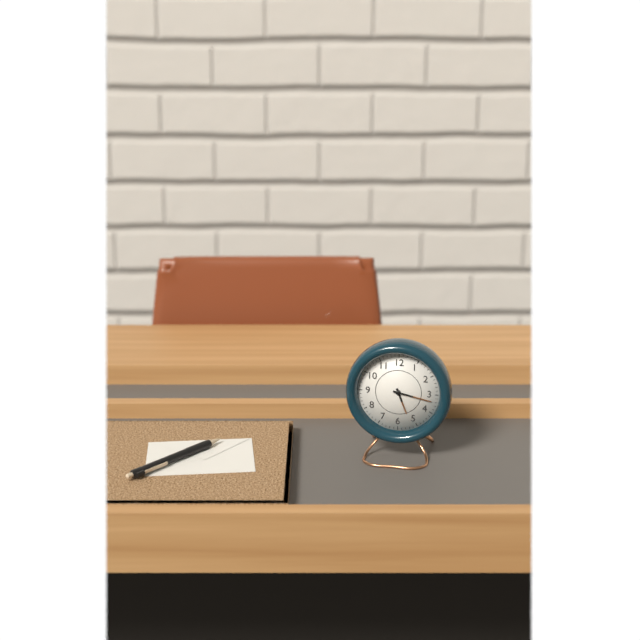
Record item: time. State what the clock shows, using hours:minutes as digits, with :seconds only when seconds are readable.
5:17
